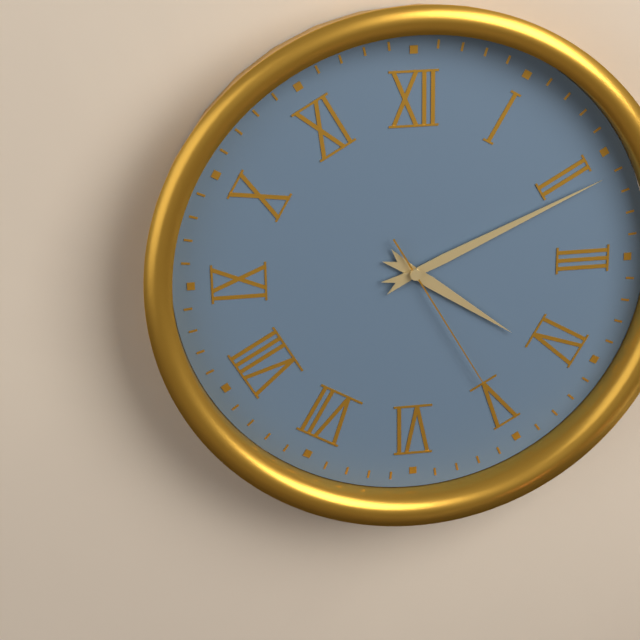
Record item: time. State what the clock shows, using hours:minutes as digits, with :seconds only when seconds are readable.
4:11:25
